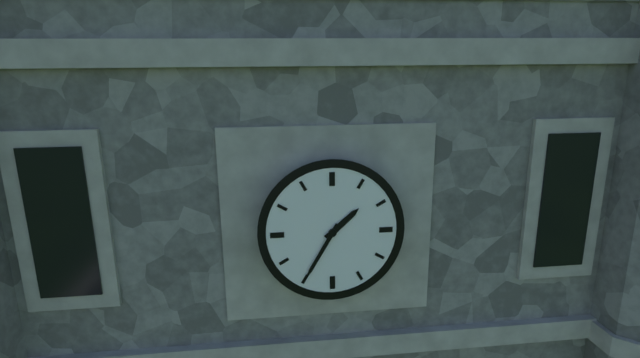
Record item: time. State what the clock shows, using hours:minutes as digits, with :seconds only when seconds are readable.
1:35
